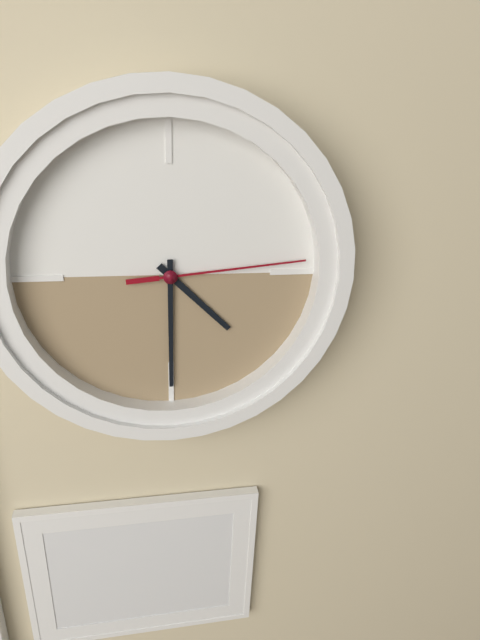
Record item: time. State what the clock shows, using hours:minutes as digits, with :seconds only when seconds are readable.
4:30:14
